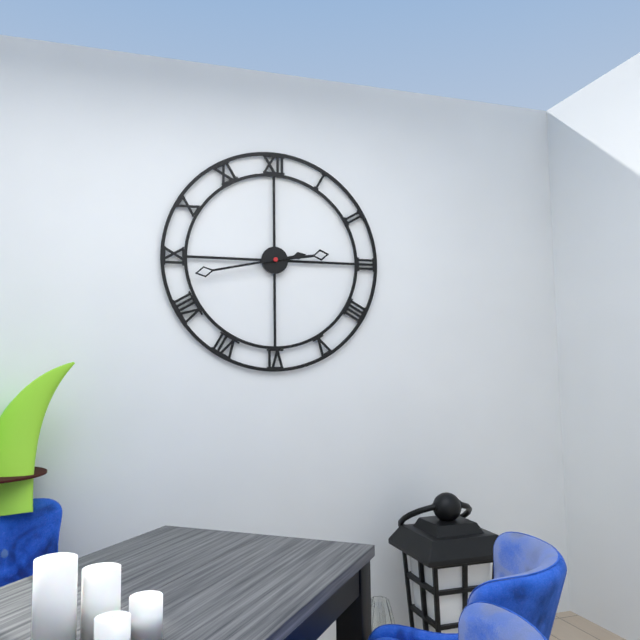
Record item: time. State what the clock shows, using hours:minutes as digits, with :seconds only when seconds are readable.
2:43
